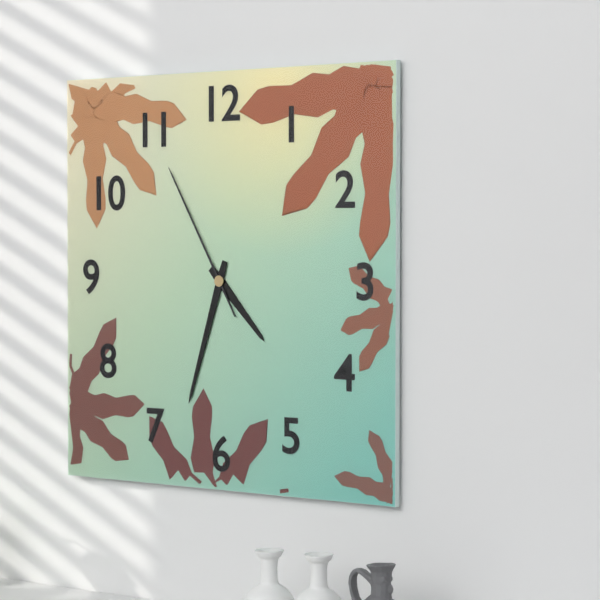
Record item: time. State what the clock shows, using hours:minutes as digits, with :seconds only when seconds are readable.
4:33:55
